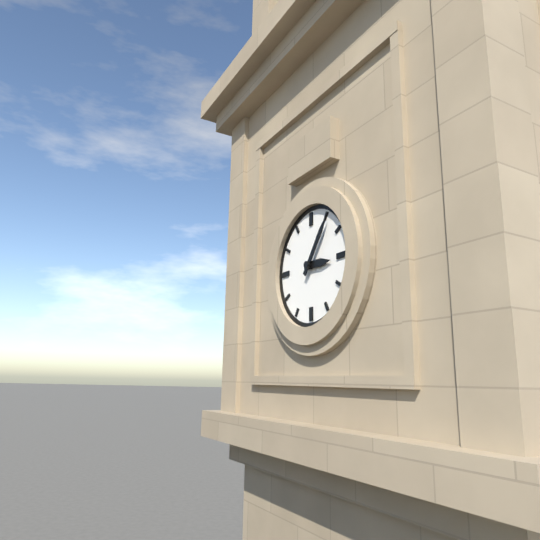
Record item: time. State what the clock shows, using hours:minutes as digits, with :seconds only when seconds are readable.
3:06
